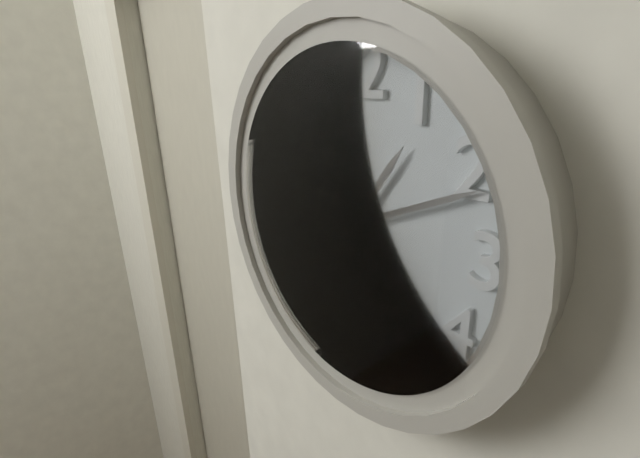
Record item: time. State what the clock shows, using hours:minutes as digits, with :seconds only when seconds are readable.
1:11:56
